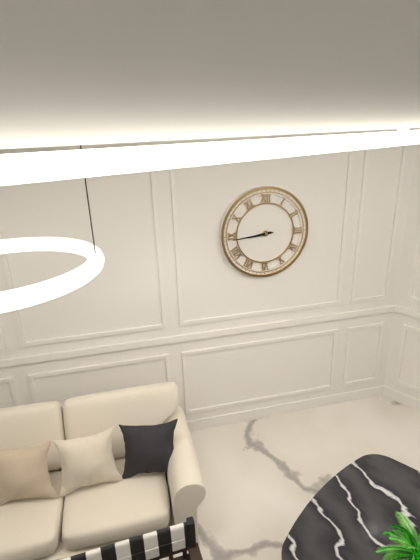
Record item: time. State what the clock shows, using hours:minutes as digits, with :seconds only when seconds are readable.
8:44
